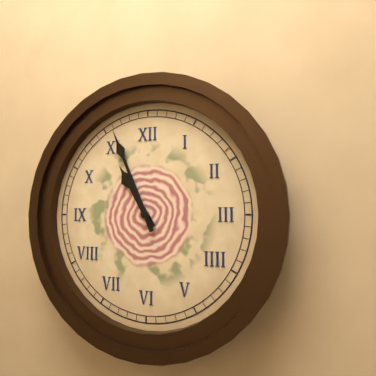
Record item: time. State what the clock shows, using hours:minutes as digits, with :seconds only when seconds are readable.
10:56
